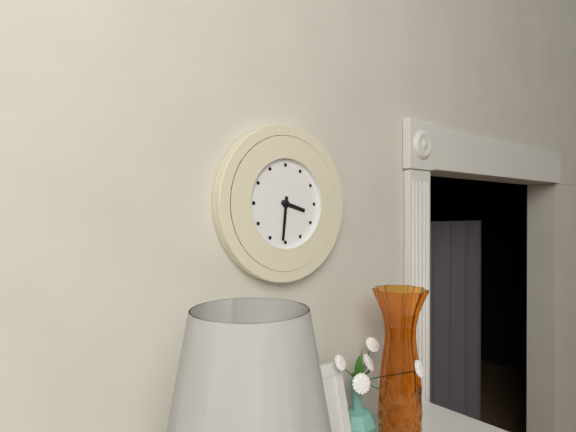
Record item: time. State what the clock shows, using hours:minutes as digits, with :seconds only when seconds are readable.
3:31
